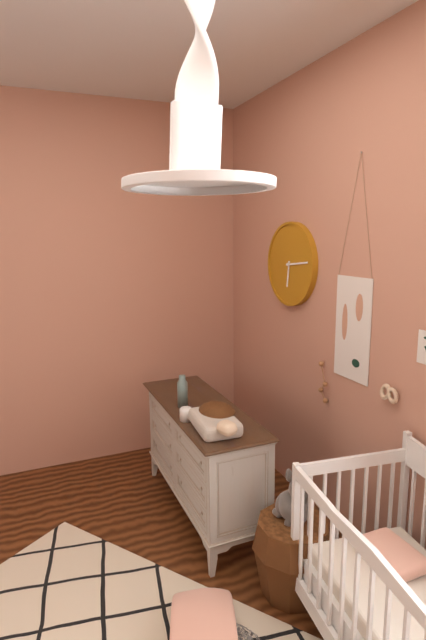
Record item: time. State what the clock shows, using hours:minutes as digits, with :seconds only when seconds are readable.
6:14
